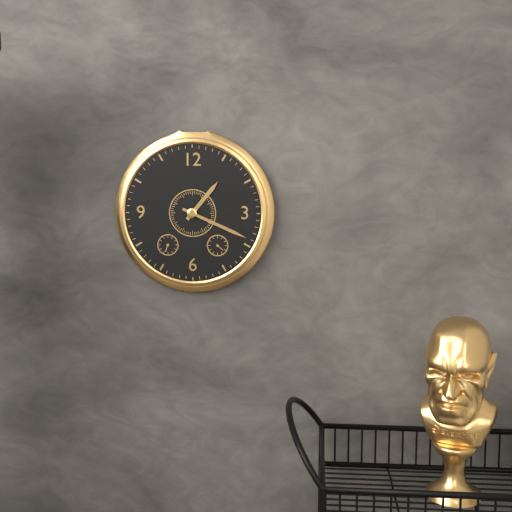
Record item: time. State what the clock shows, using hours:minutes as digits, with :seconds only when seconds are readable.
1:19
